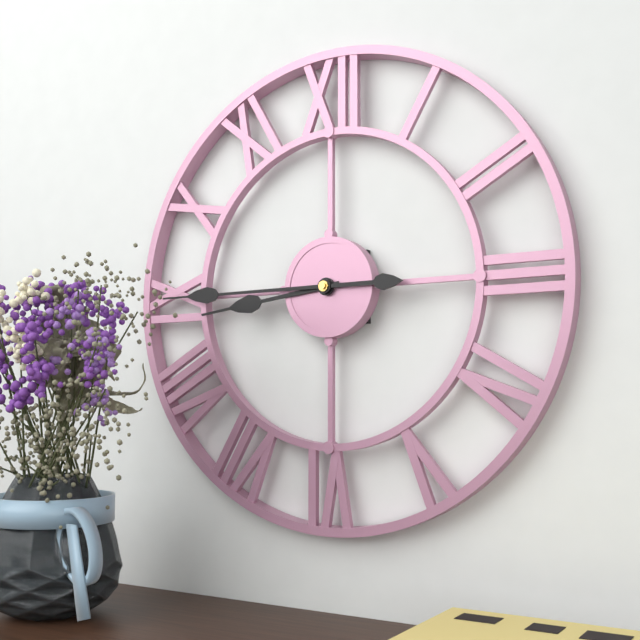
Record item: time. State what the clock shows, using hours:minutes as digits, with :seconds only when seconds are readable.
8:45
